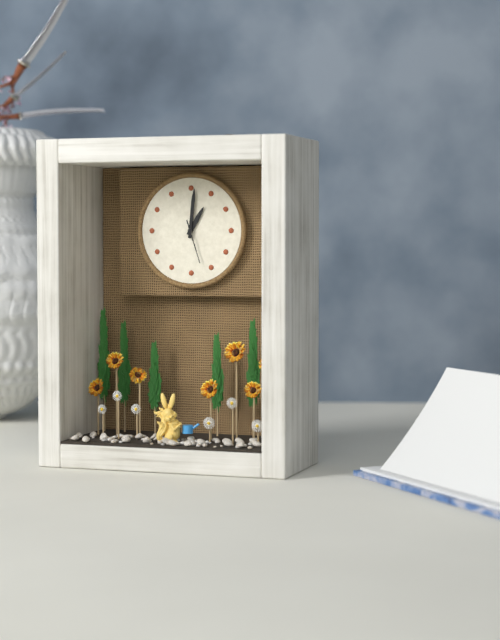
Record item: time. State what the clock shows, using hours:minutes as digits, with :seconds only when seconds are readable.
1:01
